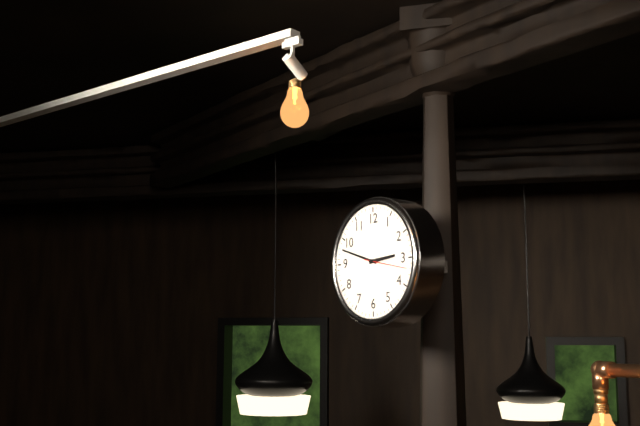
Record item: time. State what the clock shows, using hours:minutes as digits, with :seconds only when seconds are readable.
2:48
